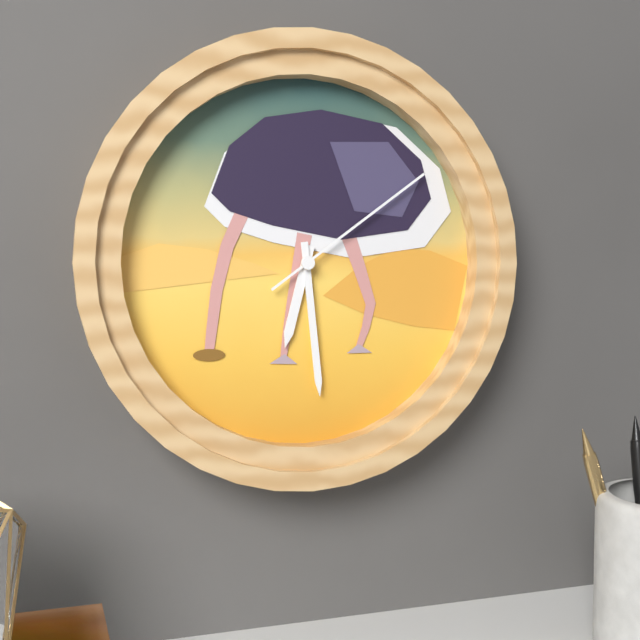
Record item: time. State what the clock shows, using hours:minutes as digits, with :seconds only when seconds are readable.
6:29:09
